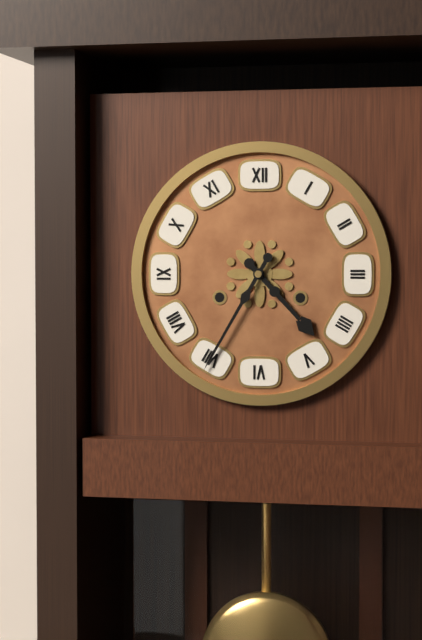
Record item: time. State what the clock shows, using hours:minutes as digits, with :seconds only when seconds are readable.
4:35
